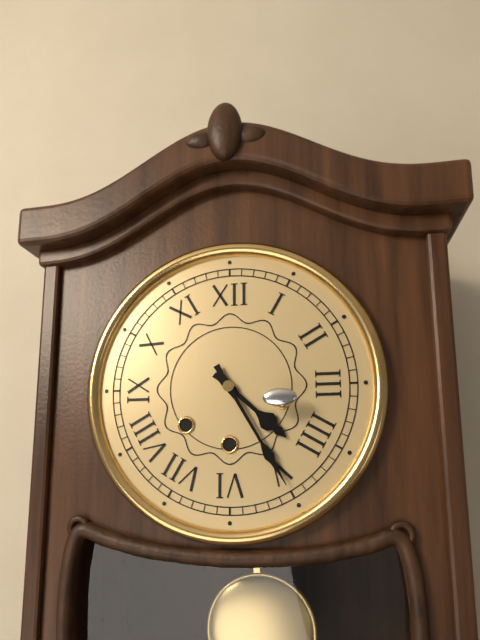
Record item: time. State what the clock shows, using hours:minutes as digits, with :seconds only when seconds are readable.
4:25
